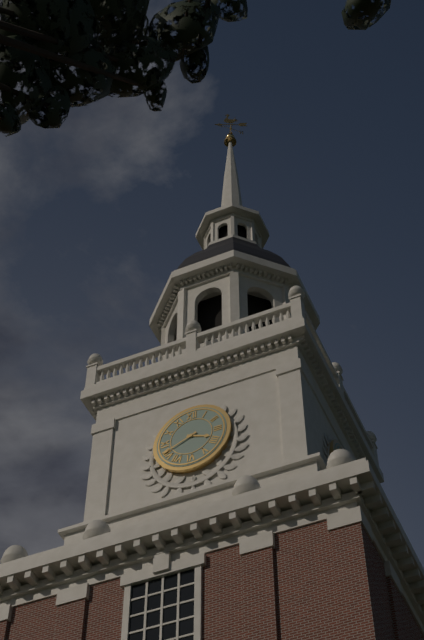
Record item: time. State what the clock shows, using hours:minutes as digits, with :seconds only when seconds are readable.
3:41
